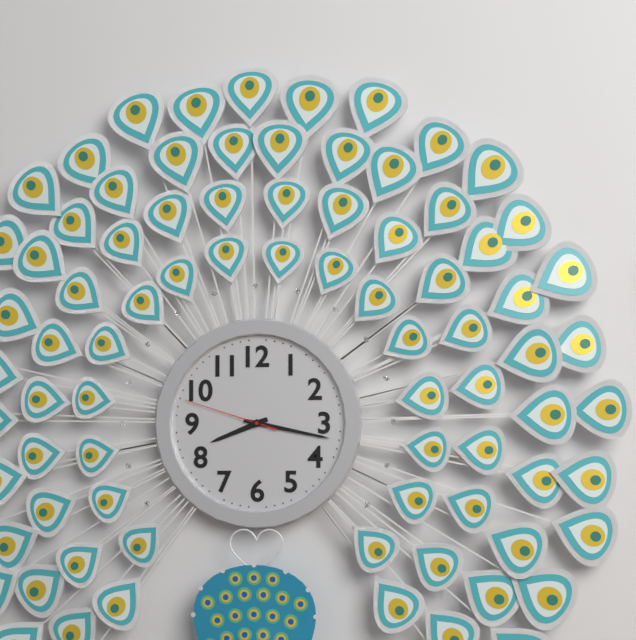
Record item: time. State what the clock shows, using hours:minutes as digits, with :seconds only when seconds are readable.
8:17:48
